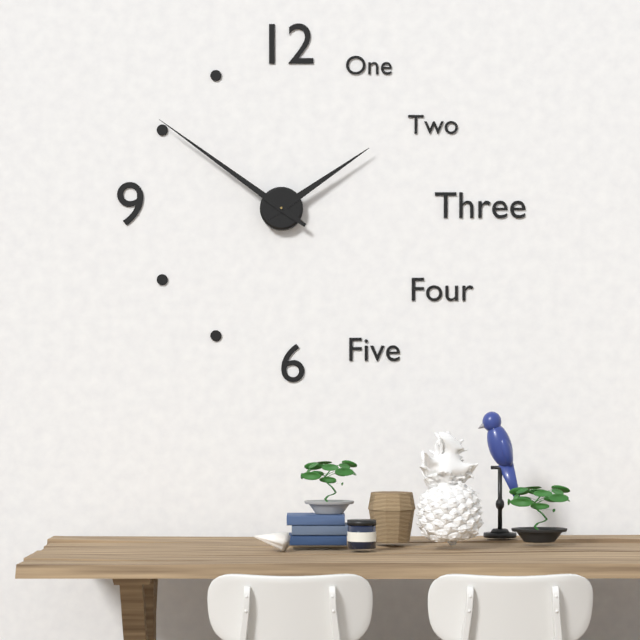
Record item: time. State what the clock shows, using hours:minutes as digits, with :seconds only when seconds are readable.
1:51
